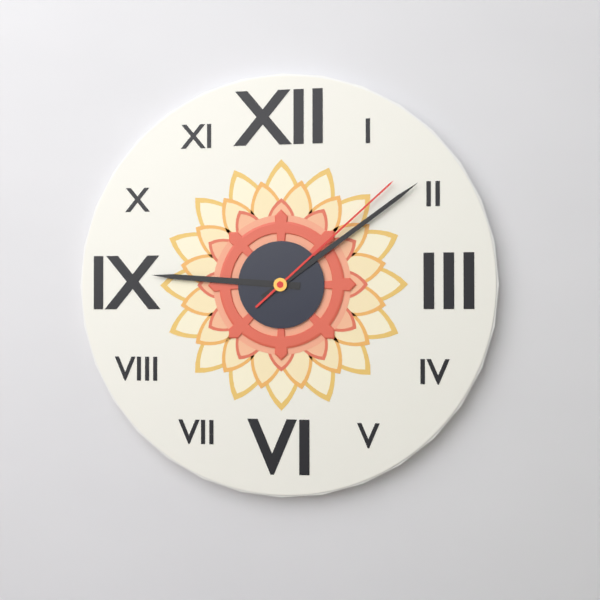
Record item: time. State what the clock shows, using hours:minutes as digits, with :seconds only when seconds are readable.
9:09:08
